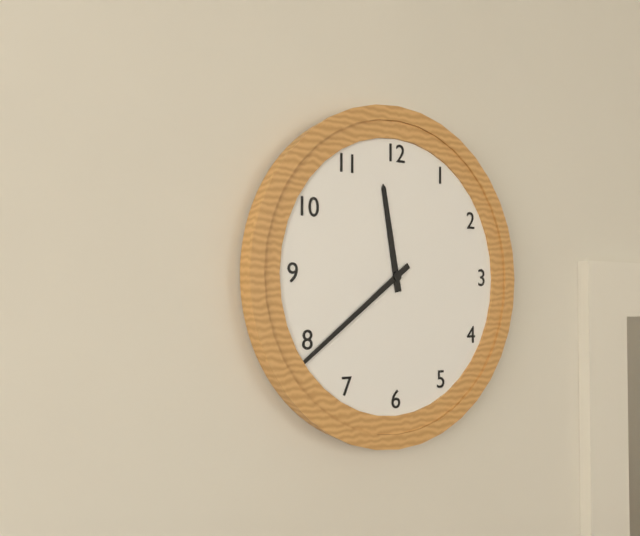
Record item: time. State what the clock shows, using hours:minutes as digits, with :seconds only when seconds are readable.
11:39
